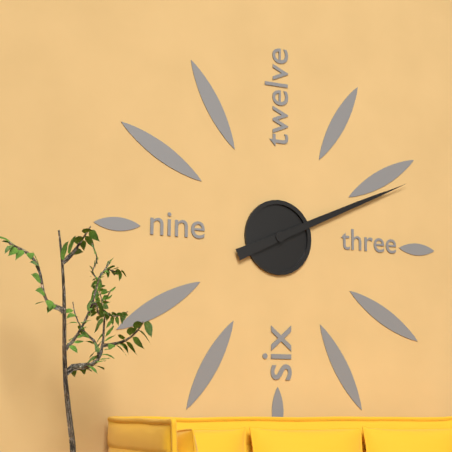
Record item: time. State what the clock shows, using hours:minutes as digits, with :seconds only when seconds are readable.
2:11
